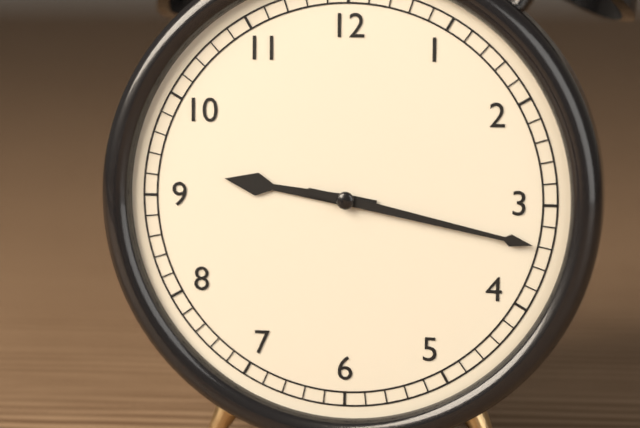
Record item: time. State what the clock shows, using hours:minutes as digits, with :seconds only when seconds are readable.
9:17
